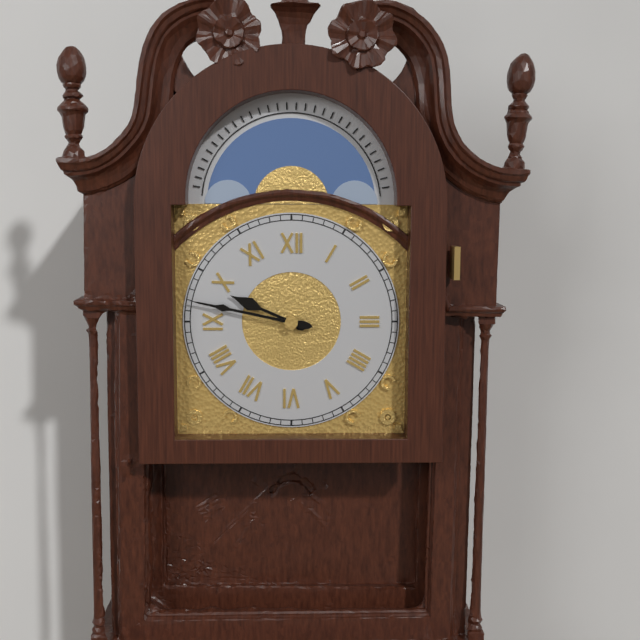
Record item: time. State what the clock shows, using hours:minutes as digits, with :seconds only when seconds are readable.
9:47
